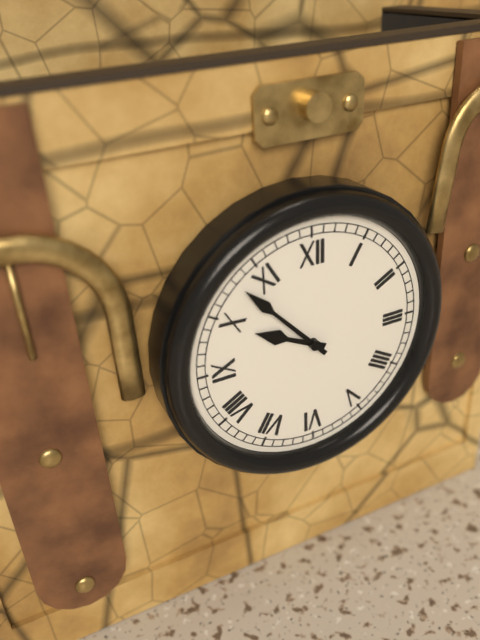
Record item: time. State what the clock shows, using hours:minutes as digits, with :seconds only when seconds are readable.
9:53
